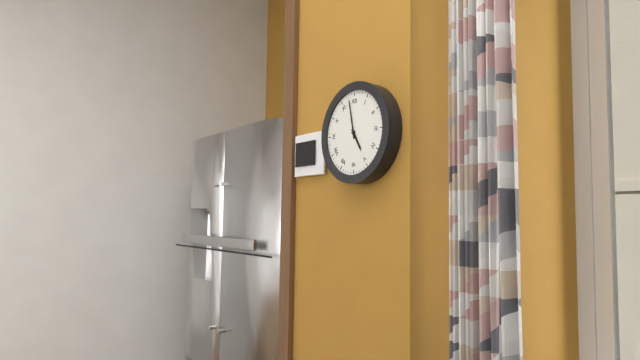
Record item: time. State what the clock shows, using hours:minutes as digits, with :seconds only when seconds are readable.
4:58
